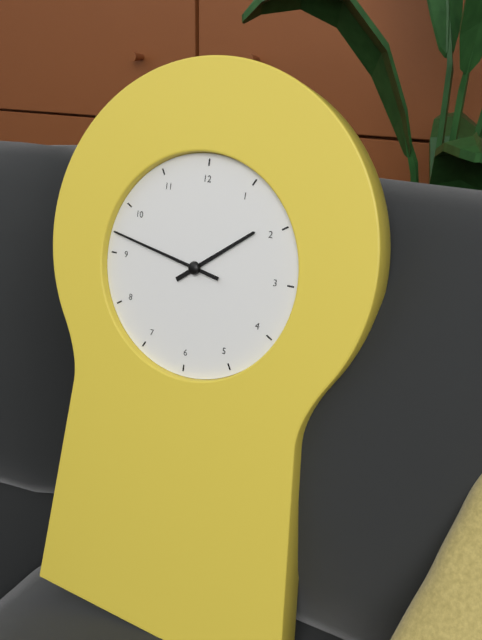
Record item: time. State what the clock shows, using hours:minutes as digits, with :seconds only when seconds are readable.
1:47
